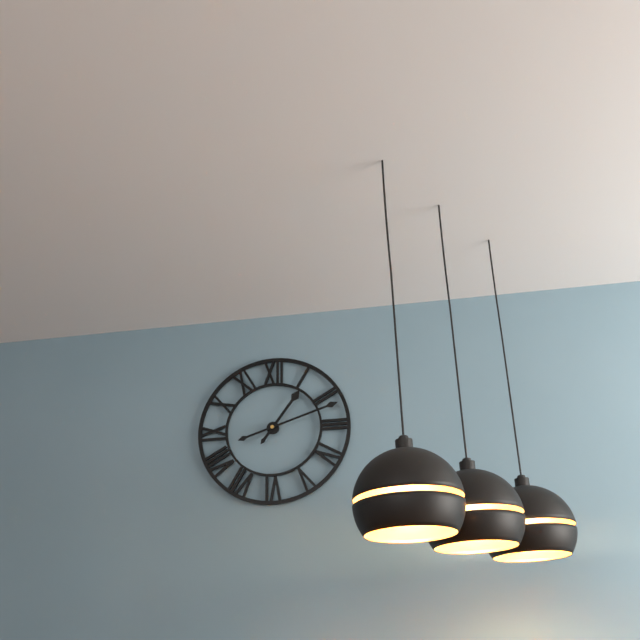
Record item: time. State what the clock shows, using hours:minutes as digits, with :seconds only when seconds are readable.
1:12
